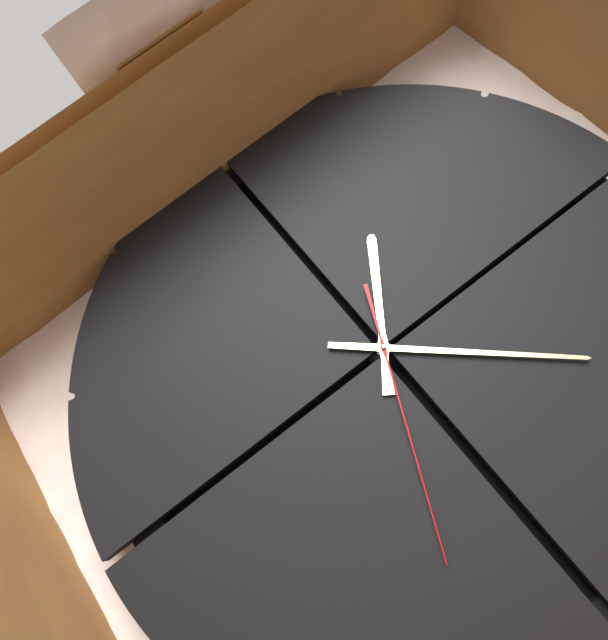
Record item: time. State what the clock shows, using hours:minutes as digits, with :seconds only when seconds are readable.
10:07:19
